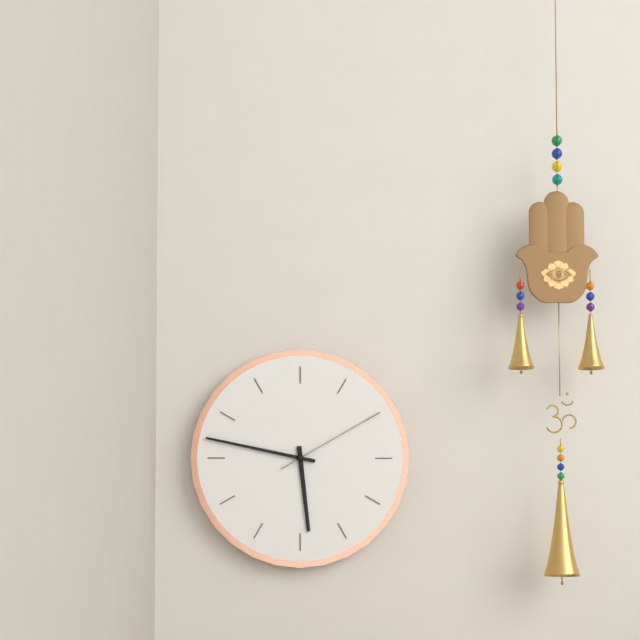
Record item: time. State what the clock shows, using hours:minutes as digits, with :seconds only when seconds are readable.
5:47:10
